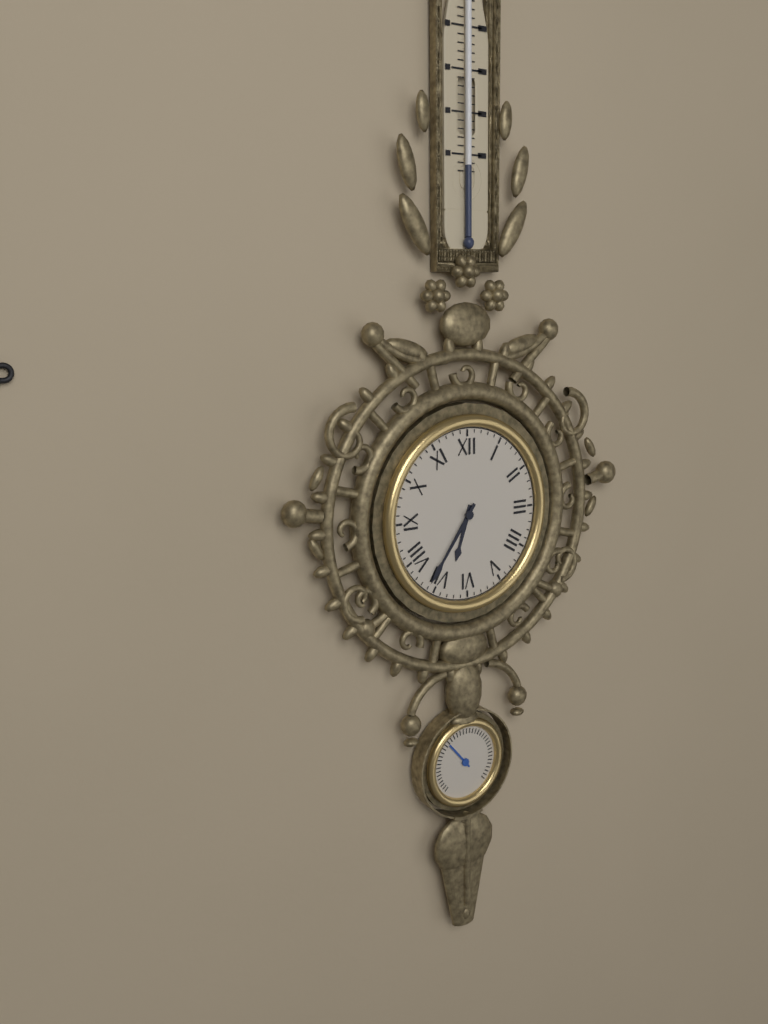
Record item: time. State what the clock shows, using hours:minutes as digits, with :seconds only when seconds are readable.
6:36
